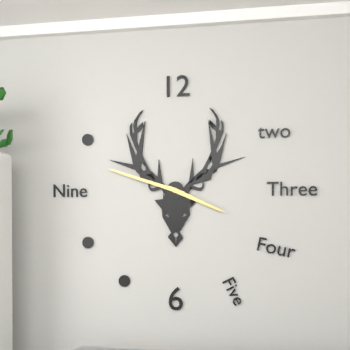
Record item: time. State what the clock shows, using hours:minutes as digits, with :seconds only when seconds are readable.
3:48
